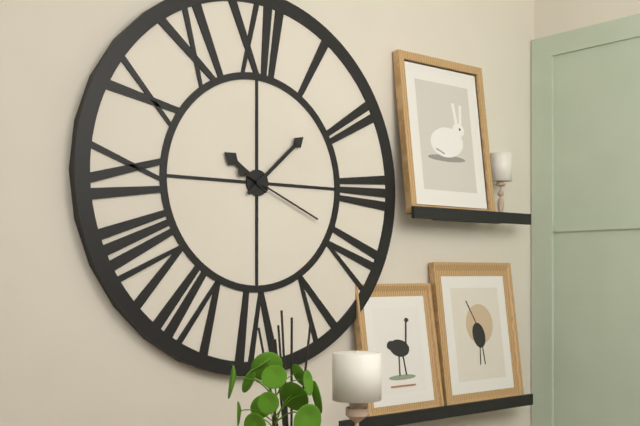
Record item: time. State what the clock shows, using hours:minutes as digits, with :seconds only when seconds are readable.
10:08:19
